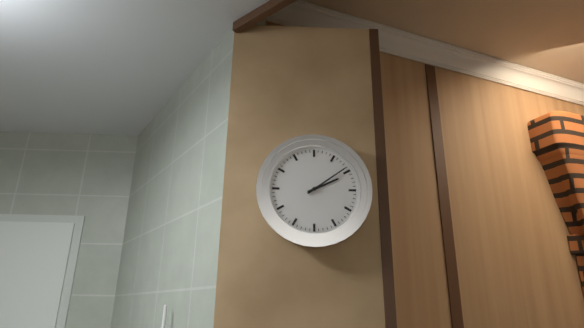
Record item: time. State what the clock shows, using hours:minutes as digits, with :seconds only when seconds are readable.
2:09
